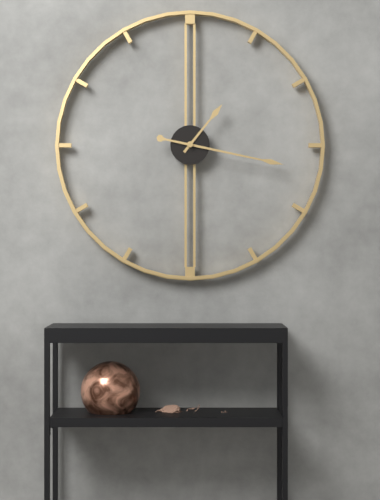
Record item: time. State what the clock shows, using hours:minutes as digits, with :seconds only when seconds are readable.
1:17
